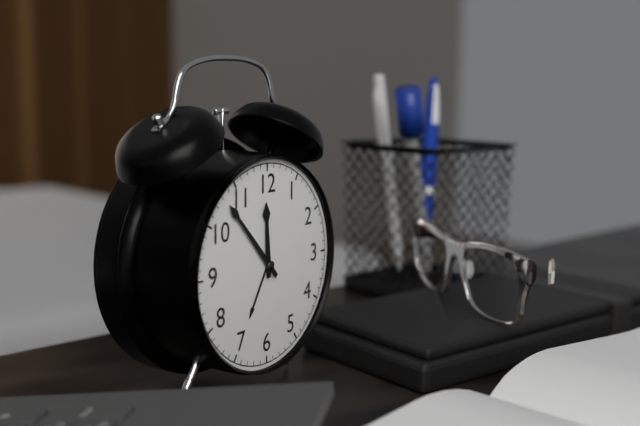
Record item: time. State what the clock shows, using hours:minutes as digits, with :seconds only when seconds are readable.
11:53
